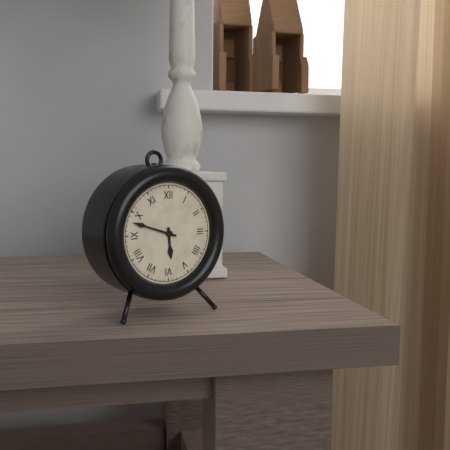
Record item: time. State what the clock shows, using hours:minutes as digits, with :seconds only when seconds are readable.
5:48
